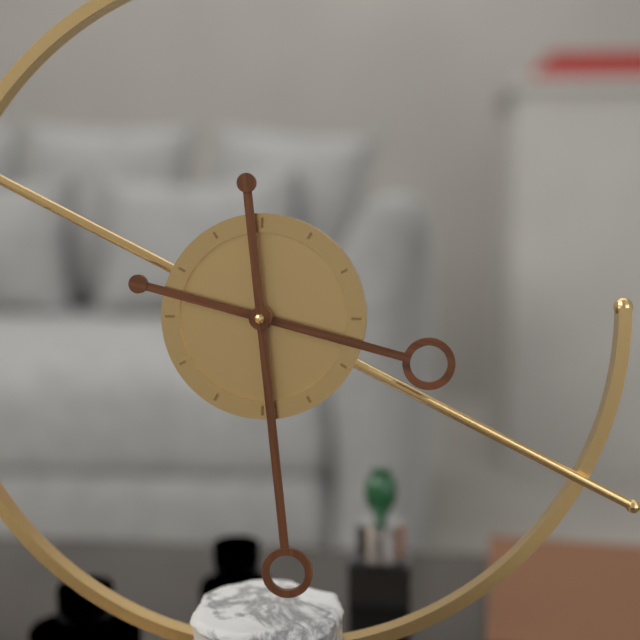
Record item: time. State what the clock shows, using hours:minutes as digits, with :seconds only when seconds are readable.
3:29
